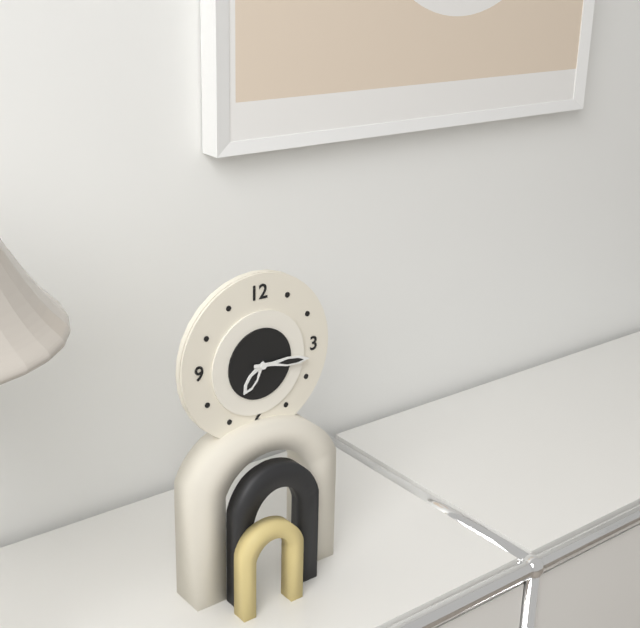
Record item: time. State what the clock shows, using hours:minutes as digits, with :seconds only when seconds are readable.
7:16
